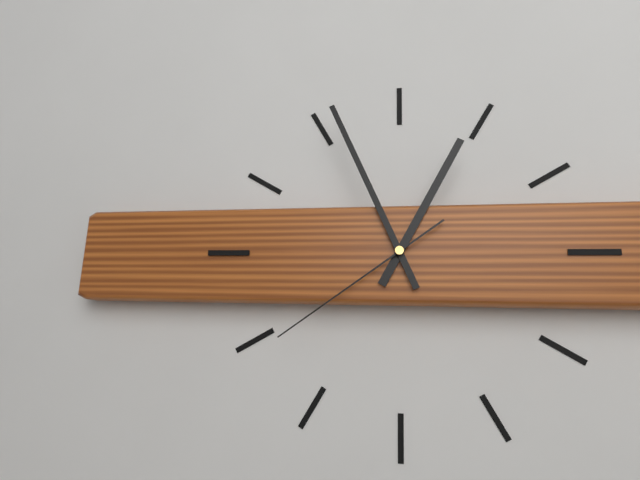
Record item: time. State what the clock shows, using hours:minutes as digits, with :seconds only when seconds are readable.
12:56:39
